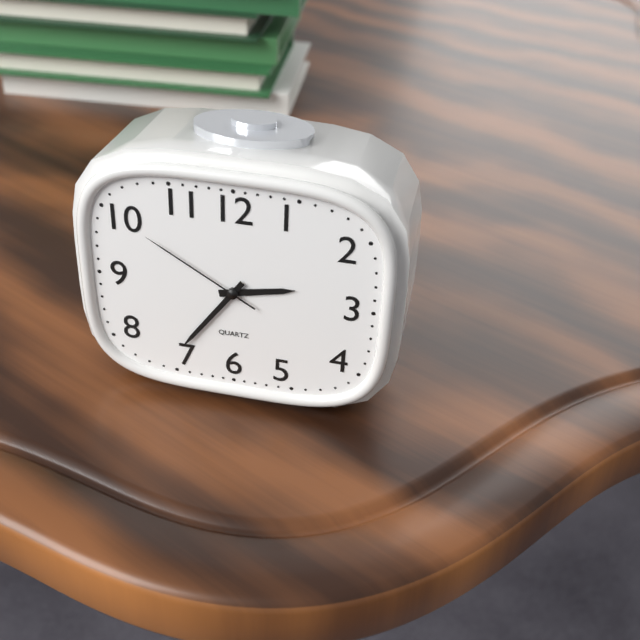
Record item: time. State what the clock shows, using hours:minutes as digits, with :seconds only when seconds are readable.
2:36:50
